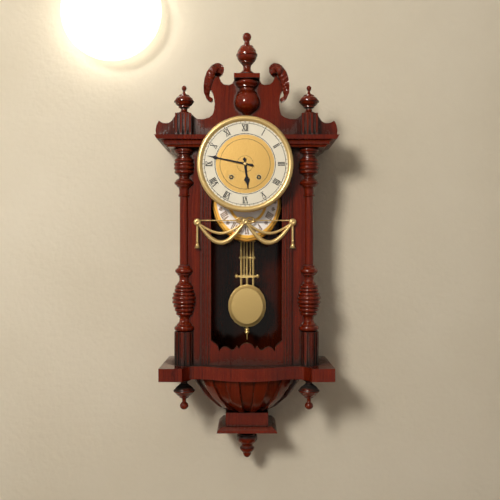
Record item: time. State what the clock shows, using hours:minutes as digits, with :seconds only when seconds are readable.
5:47
